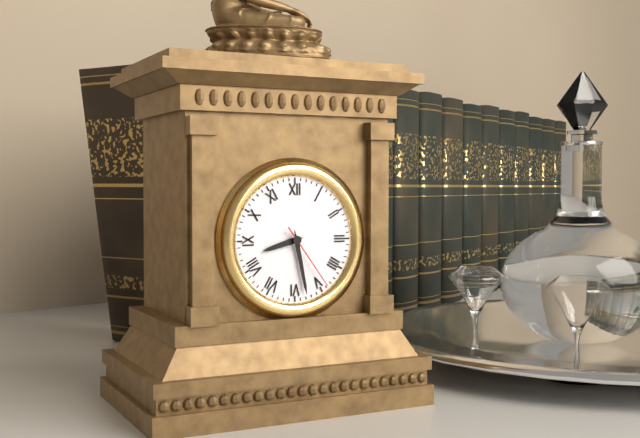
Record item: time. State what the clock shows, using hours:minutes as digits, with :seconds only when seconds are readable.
8:28:24
